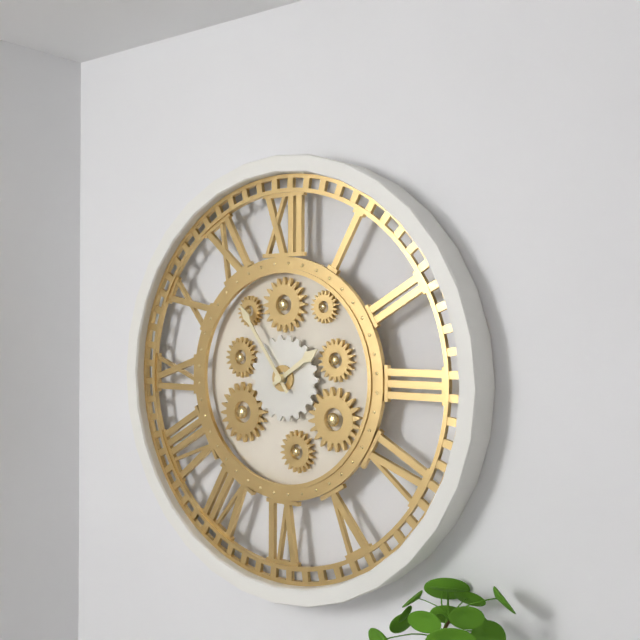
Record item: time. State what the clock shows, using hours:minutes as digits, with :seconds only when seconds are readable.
1:54
